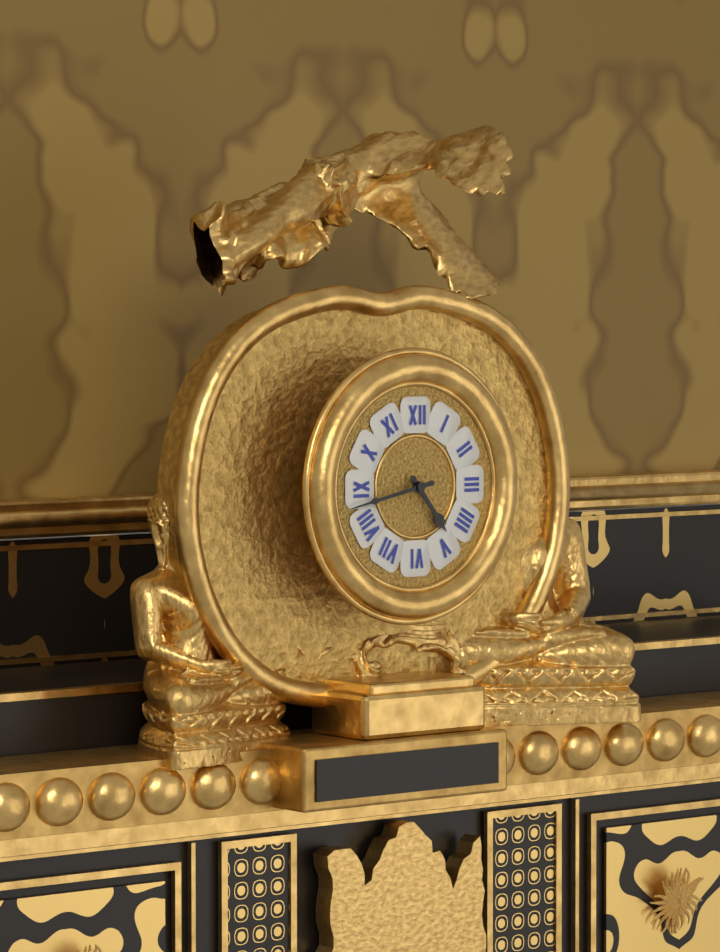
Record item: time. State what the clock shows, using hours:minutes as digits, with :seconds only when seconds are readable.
4:43
